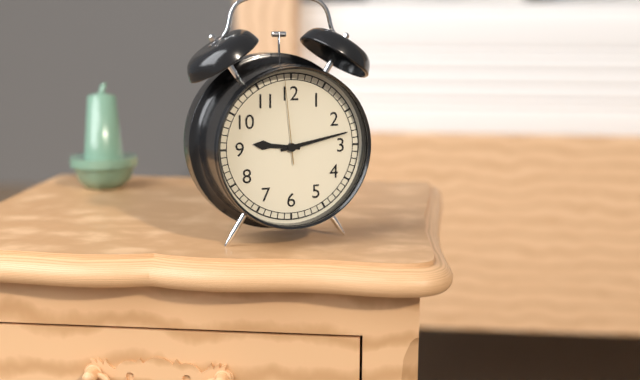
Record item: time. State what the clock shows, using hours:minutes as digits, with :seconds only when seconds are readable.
9:13:59
